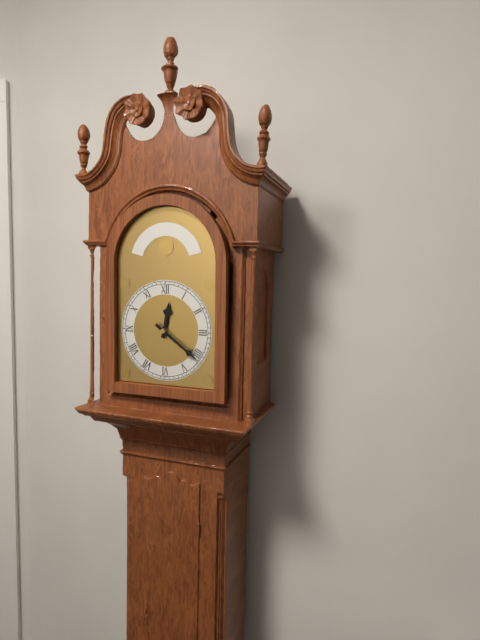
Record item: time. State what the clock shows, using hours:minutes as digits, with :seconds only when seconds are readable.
12:21
